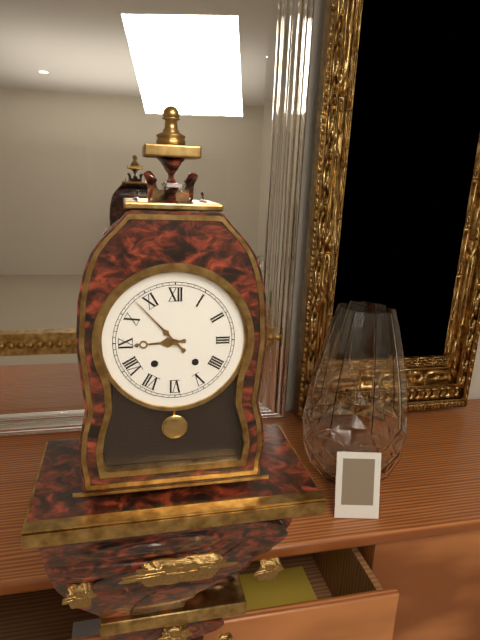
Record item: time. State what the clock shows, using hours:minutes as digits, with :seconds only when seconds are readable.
8:53
